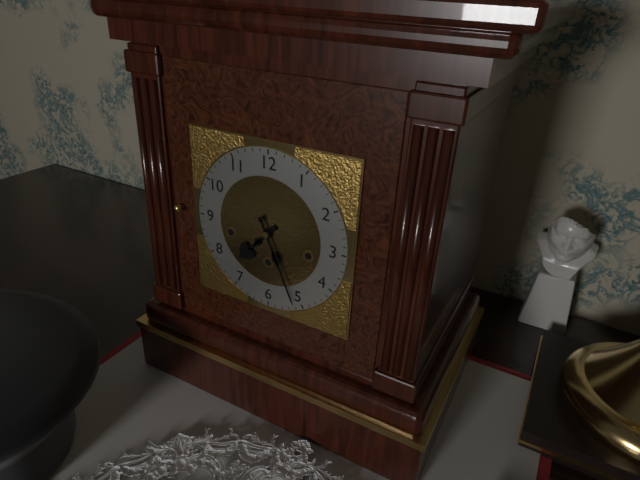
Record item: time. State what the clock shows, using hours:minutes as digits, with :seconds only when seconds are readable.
7:26
